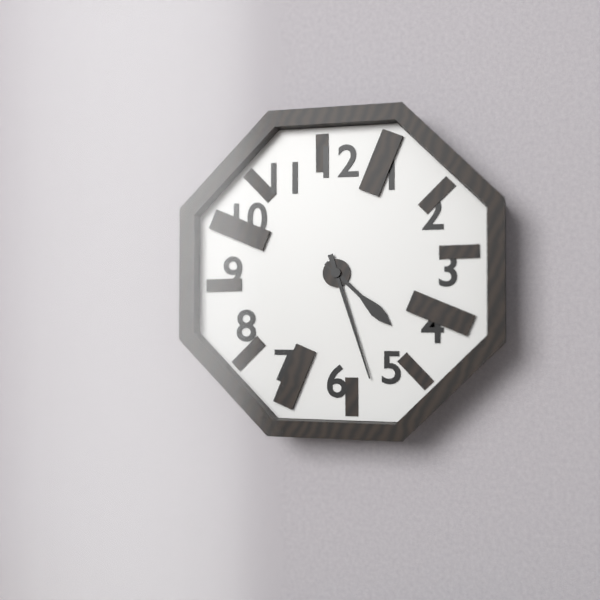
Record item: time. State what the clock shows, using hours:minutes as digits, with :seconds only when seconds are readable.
4:27
